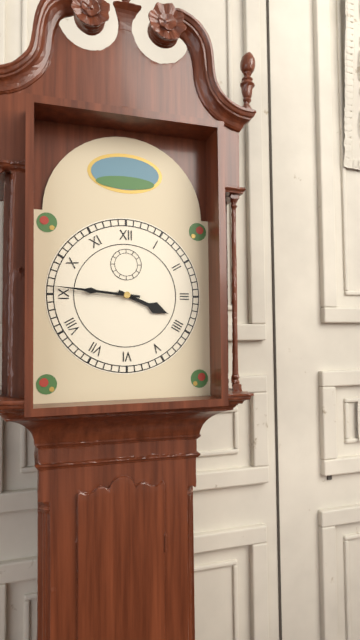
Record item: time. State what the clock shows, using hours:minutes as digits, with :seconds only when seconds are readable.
3:46
